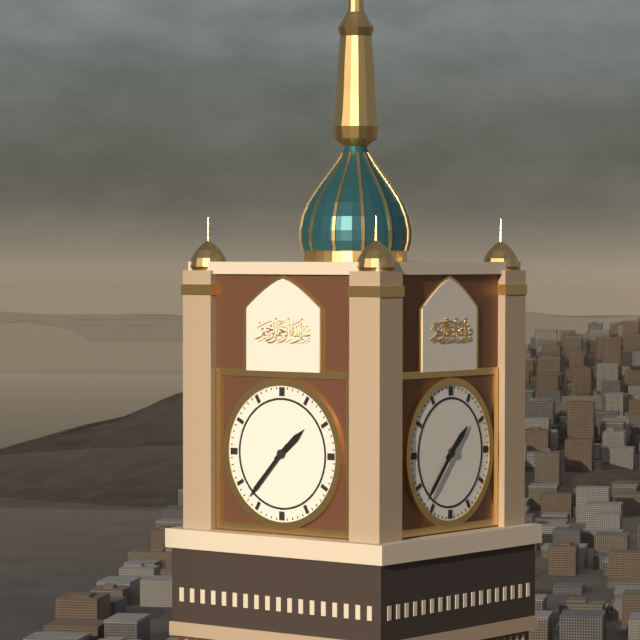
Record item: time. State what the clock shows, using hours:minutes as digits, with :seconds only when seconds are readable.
1:37
